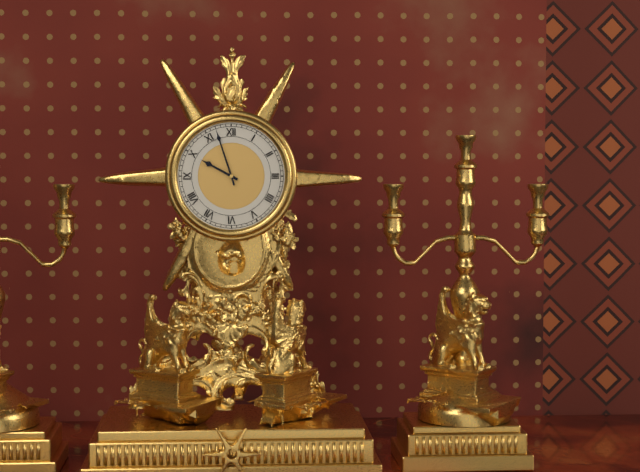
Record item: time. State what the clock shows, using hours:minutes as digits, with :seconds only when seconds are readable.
9:57
